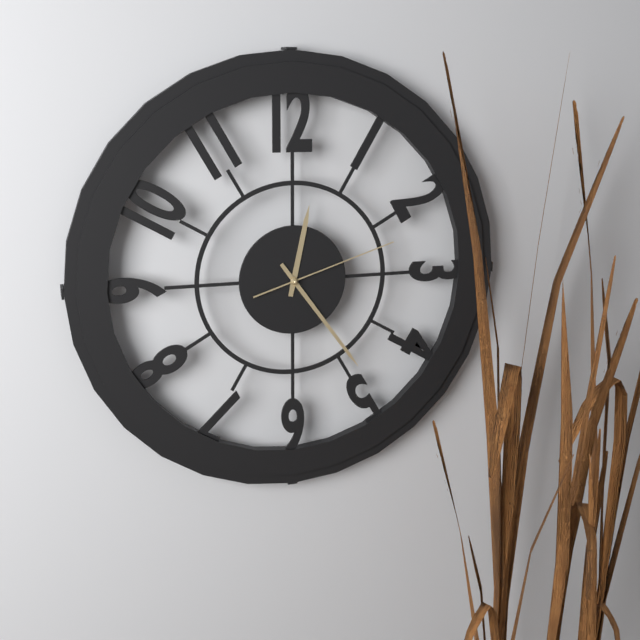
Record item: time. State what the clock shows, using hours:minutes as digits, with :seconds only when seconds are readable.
12:24:12
